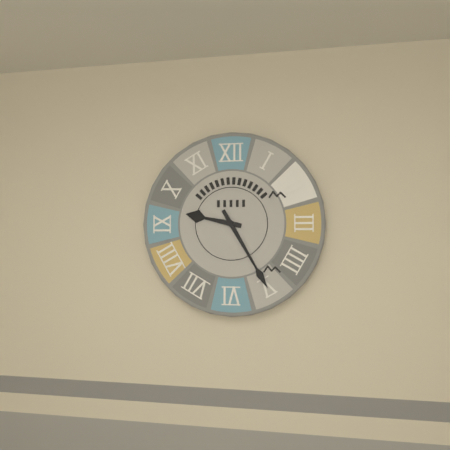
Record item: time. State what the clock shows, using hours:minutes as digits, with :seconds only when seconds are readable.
9:25
